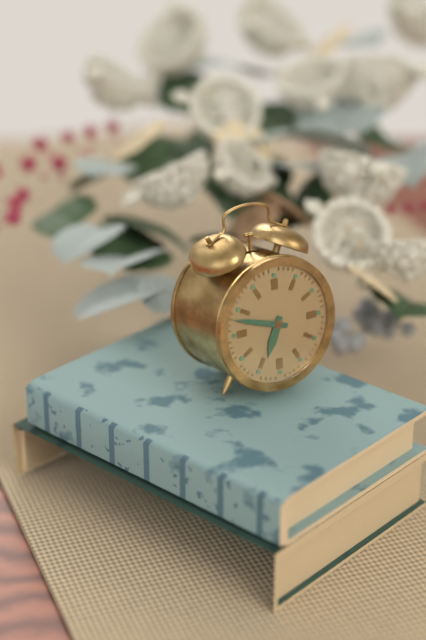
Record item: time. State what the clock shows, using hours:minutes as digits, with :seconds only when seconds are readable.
6:48
